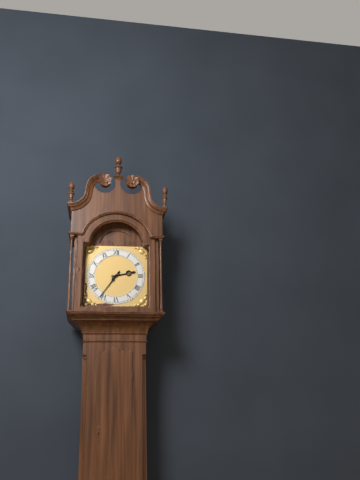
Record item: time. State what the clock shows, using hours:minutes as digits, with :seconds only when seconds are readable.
2:36
